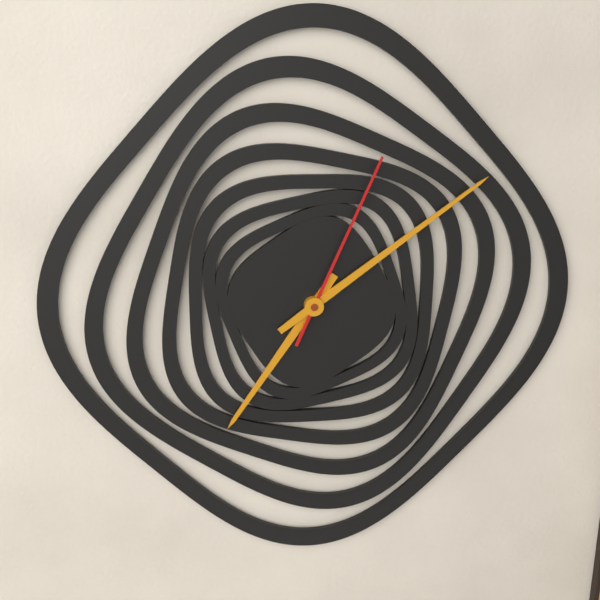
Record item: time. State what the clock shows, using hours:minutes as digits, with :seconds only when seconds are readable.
7:09:04
